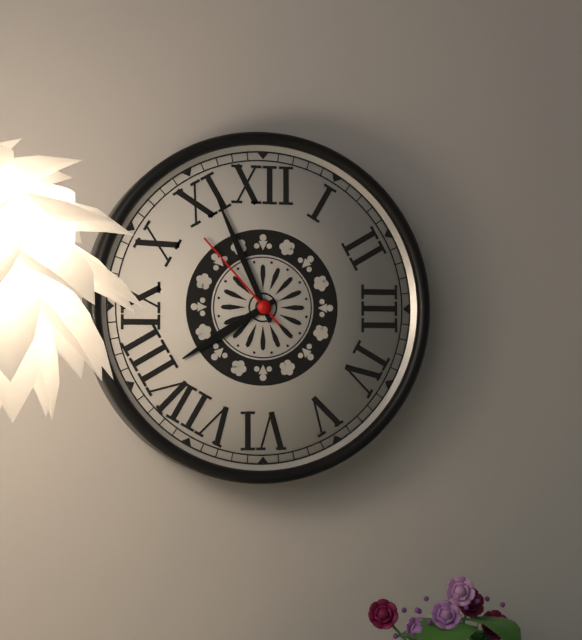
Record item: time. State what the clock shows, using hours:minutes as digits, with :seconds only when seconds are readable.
7:56:53
